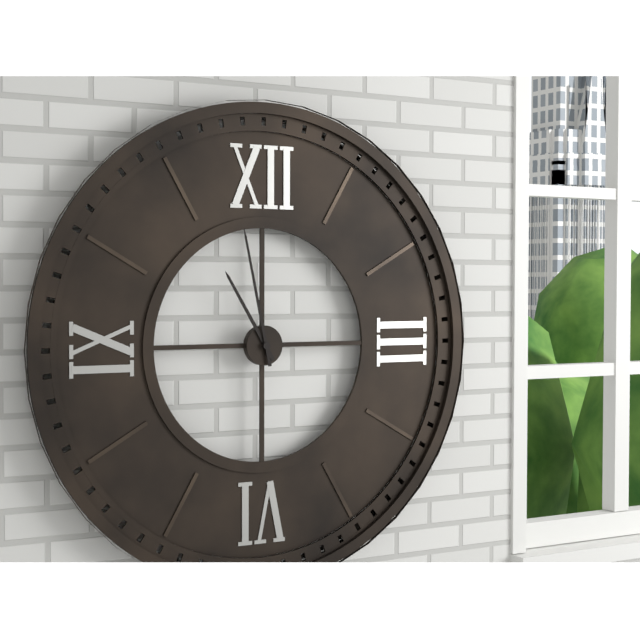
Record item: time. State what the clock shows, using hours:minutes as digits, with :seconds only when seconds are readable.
10:58
